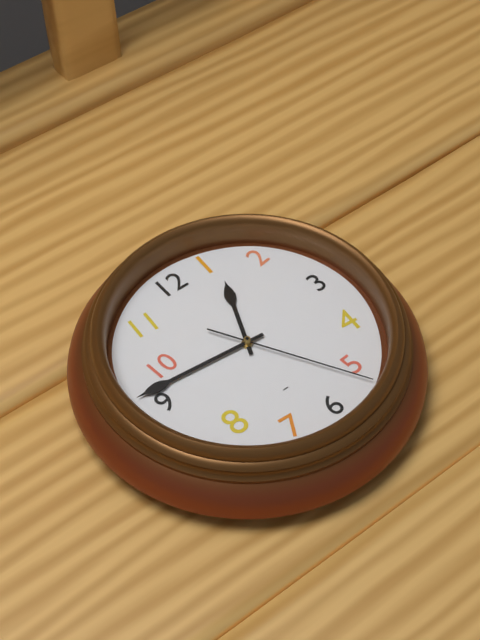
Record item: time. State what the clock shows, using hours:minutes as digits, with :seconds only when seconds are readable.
12:46:25
